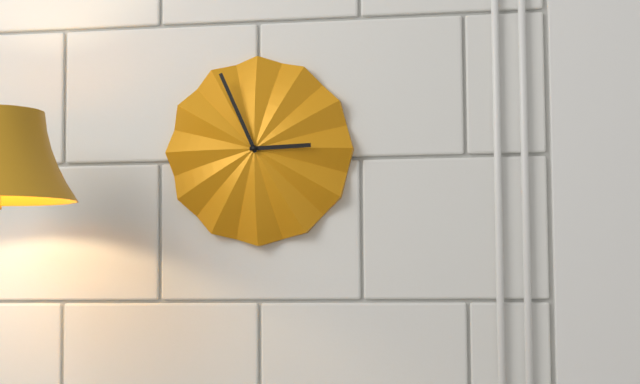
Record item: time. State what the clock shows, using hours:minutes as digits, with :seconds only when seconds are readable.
2:56
